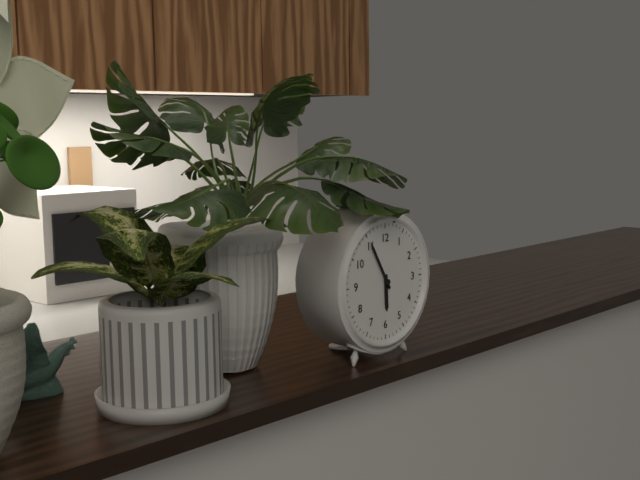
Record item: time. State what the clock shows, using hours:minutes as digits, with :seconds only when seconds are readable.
5:55
